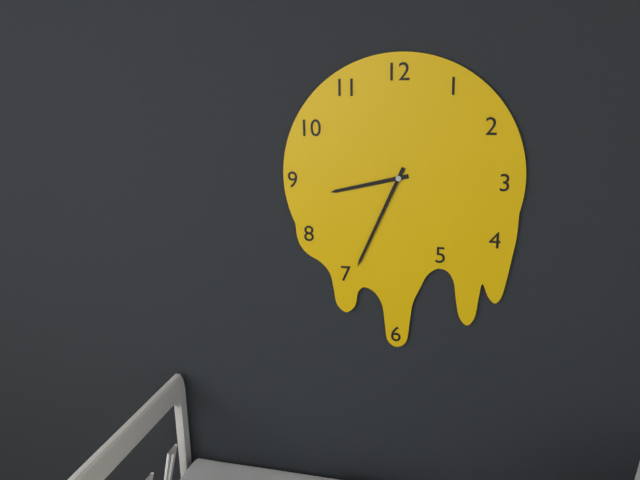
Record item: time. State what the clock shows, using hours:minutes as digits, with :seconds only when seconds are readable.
8:34
